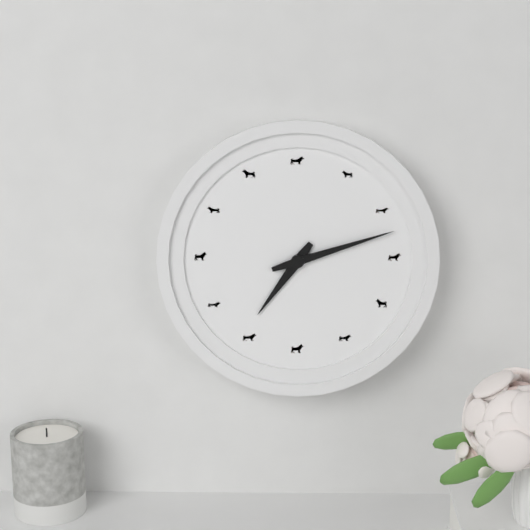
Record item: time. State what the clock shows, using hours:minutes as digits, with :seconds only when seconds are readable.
7:12
